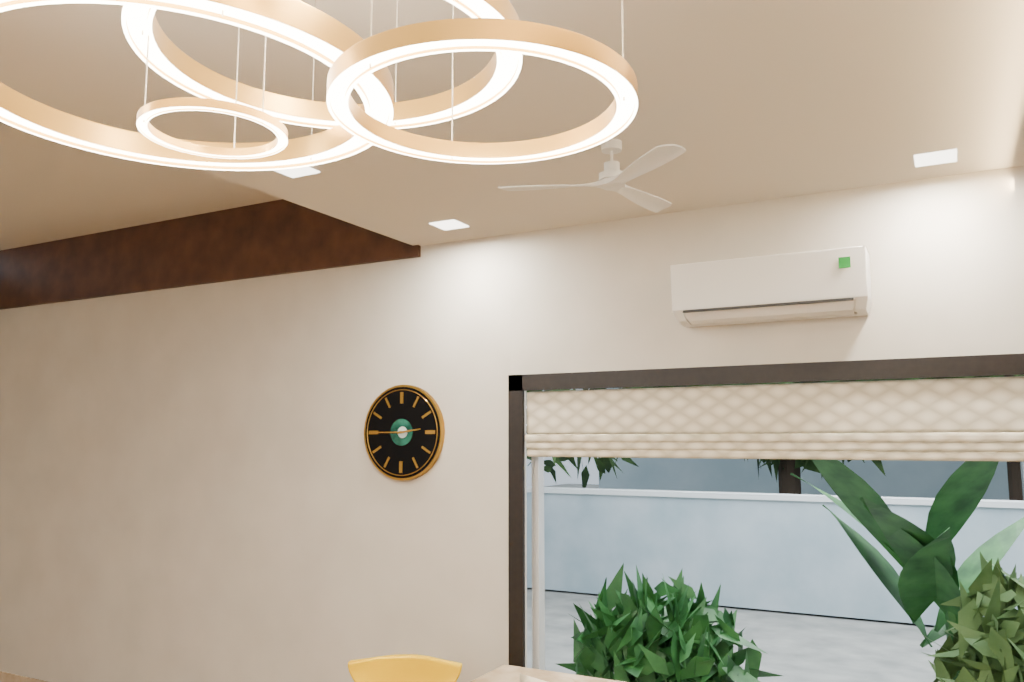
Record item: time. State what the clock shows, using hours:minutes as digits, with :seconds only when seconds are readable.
2:45
